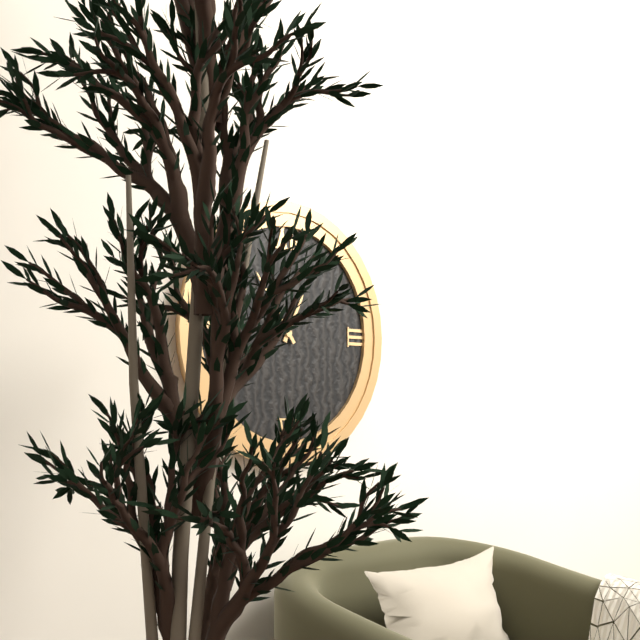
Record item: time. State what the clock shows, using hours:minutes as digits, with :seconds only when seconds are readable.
12:54
